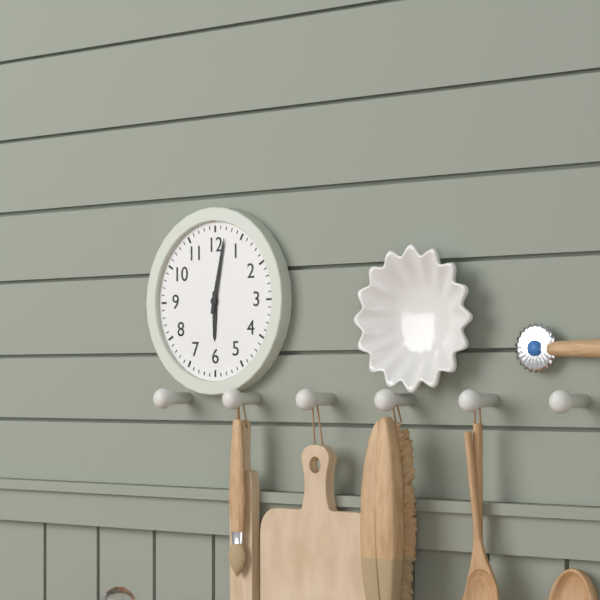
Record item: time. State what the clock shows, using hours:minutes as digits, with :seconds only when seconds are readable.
6:02
